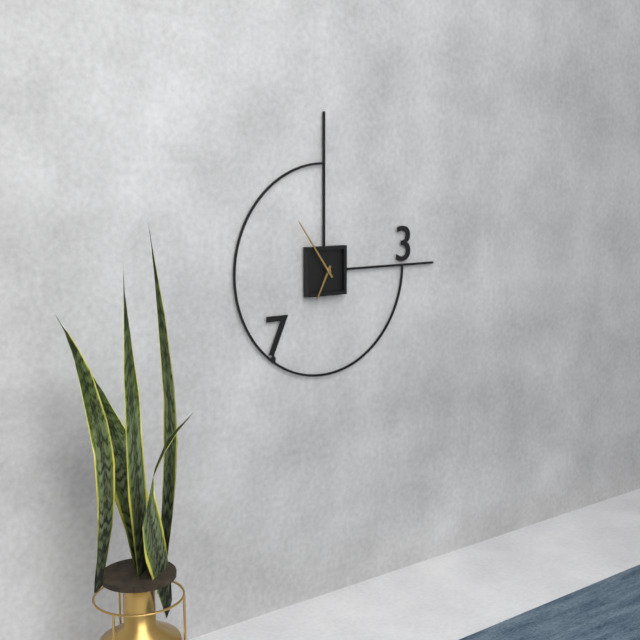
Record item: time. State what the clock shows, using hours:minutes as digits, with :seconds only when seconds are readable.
6:54
